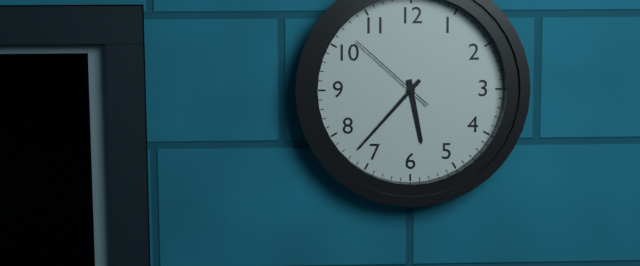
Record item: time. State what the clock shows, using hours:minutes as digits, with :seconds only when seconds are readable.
5:37:52
